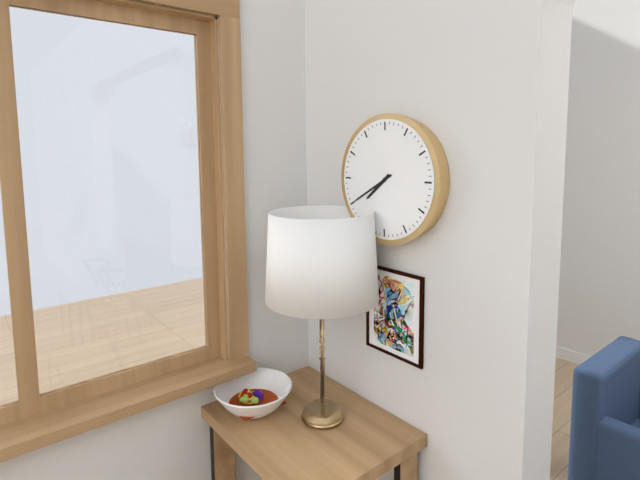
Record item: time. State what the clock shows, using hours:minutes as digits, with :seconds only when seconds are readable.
7:40
